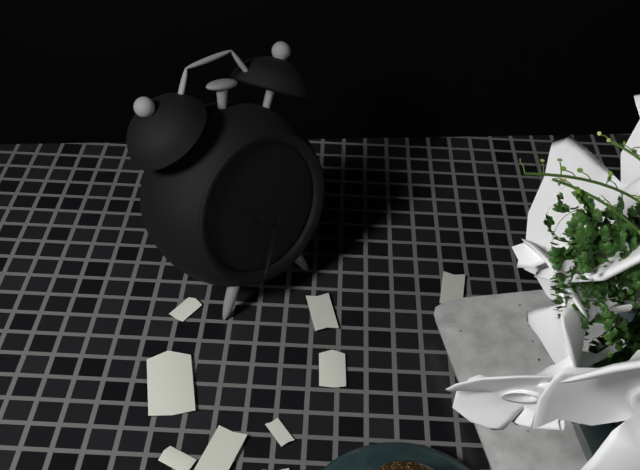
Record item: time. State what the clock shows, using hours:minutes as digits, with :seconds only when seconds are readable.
10:33
